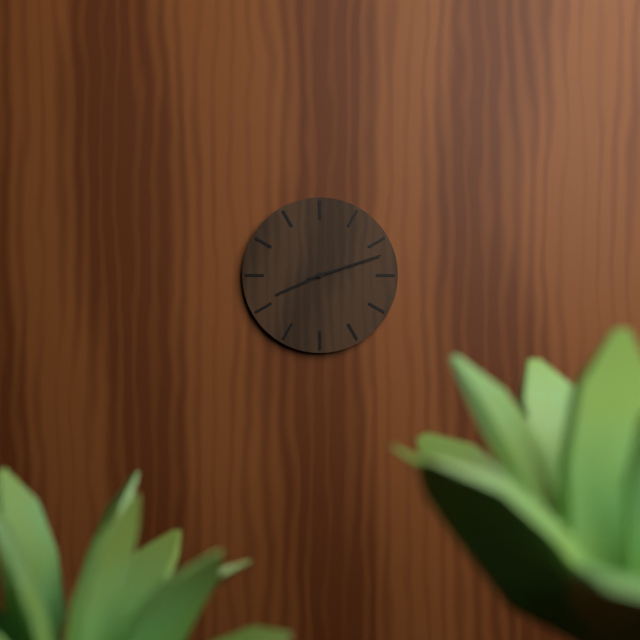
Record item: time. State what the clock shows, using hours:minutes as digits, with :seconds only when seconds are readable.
8:12
